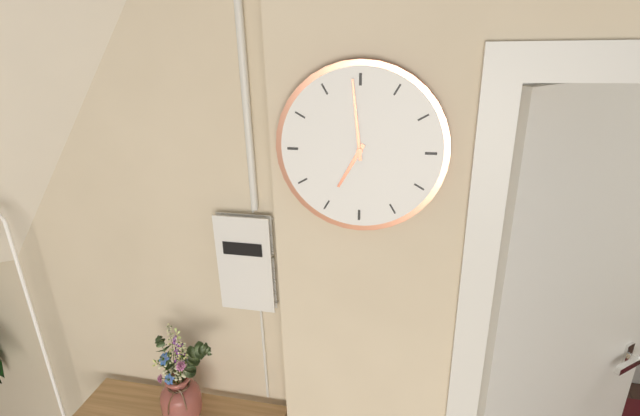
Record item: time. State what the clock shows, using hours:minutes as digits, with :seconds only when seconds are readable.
6:59
